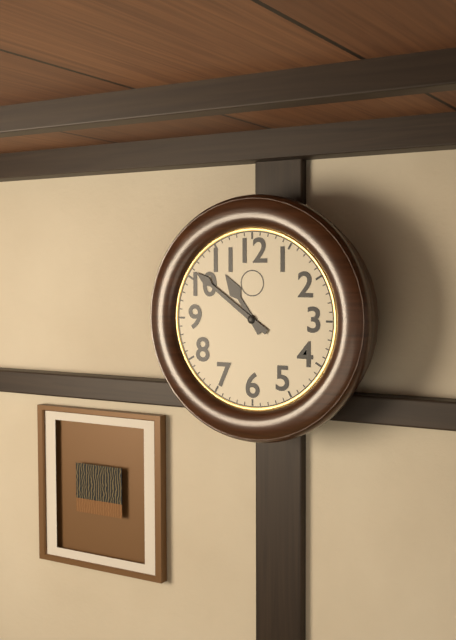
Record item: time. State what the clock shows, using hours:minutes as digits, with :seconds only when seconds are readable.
10:51
